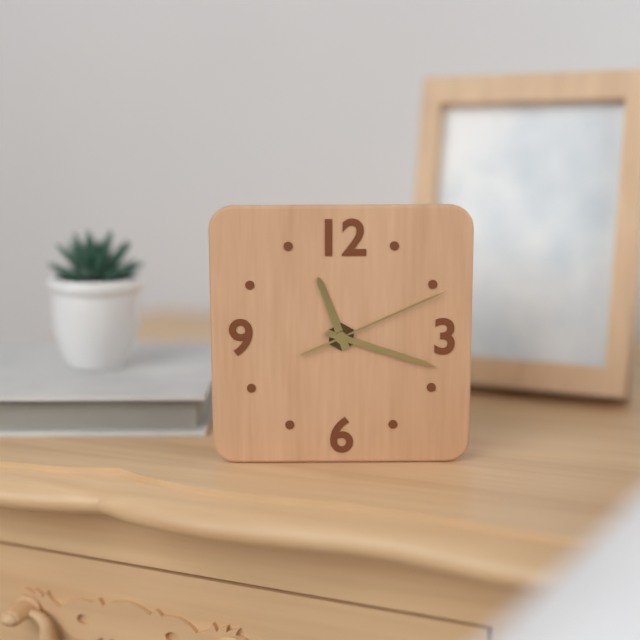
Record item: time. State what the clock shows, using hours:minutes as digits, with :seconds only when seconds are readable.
11:18:11
